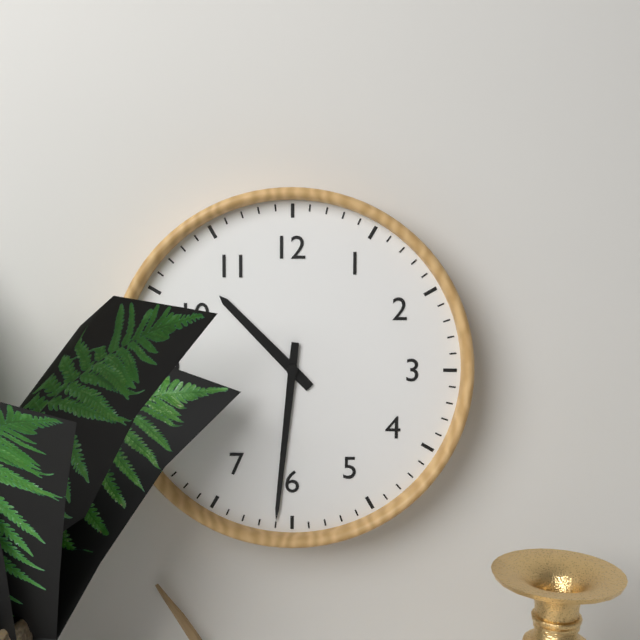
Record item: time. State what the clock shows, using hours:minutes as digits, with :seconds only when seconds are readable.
10:31
